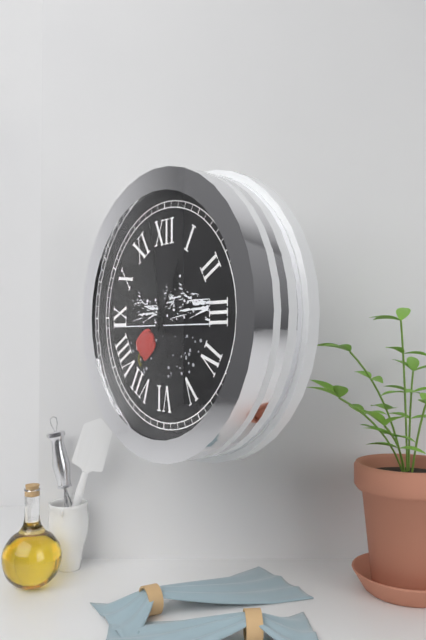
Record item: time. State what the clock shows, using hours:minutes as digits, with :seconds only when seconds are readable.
12:58:48
